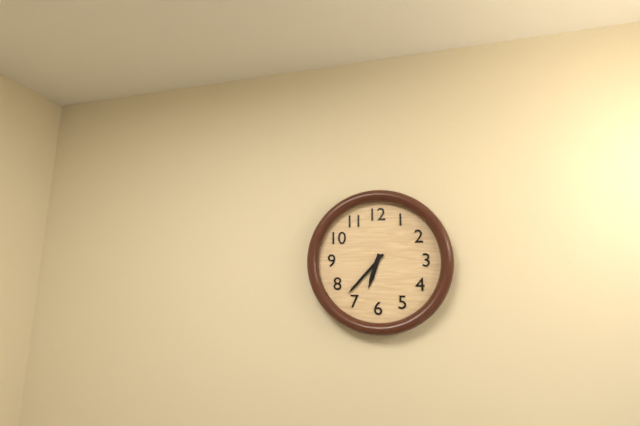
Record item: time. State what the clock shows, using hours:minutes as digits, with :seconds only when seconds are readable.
6:37
